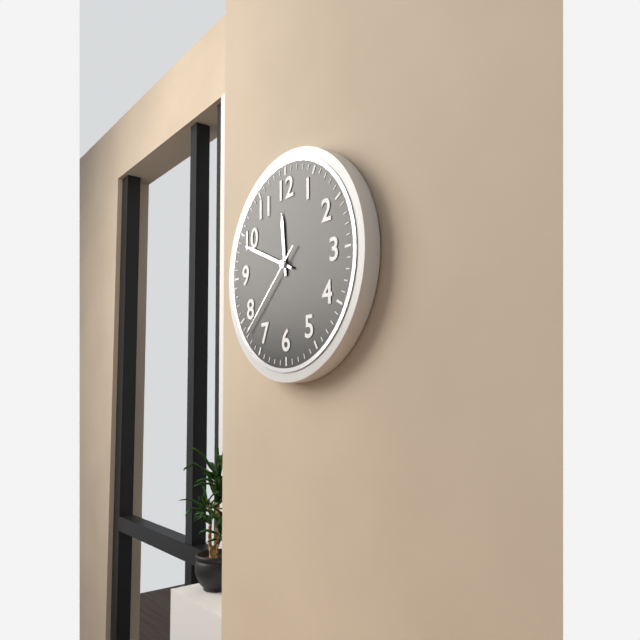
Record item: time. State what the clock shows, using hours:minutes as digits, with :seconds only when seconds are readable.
11:49:38
